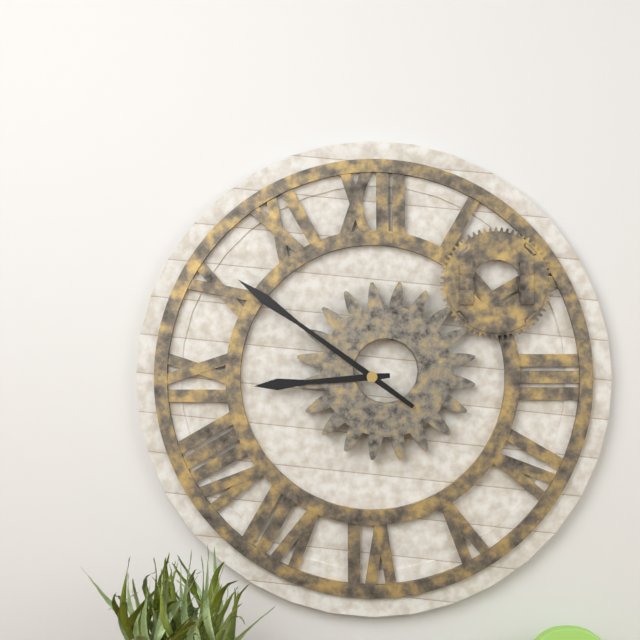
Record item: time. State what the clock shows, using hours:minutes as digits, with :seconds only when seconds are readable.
8:51
